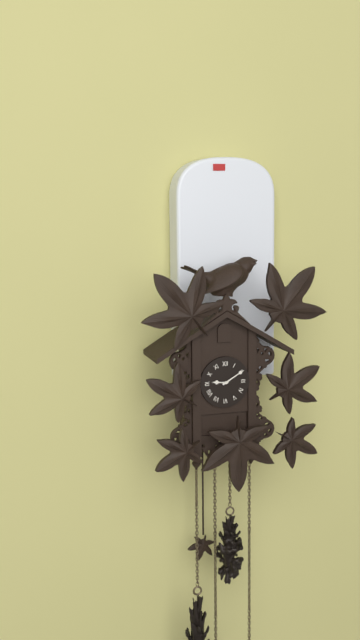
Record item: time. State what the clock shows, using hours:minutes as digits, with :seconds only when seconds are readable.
9:10
